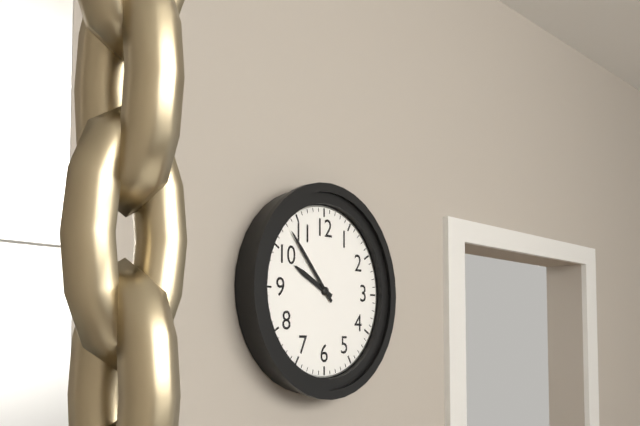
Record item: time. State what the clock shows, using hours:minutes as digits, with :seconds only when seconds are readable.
9:53
